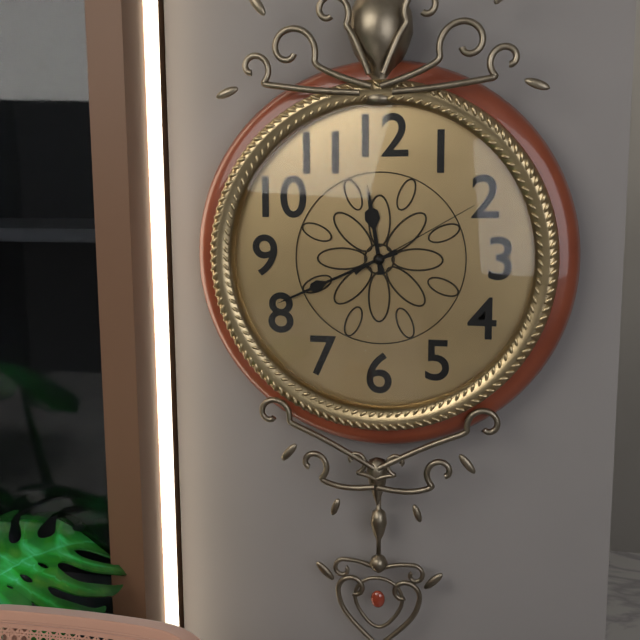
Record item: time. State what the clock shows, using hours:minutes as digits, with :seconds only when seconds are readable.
11:41:10
